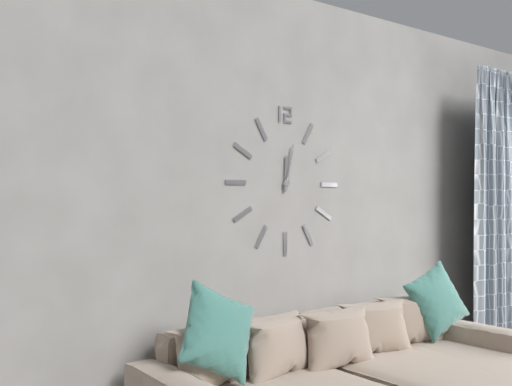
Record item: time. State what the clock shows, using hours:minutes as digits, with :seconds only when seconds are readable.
12:02
